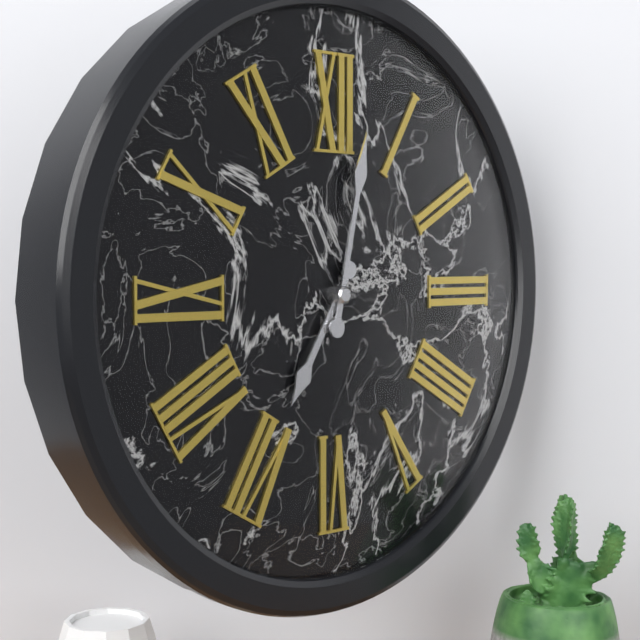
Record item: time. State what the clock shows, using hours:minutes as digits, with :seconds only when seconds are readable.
7:02
